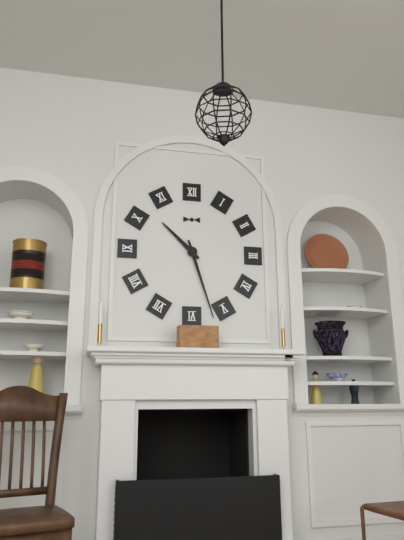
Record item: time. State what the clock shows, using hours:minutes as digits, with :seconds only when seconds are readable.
10:27
